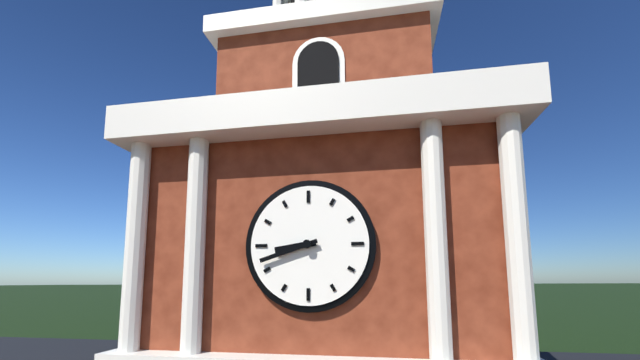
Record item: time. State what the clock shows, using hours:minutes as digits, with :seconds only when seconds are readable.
8:42
